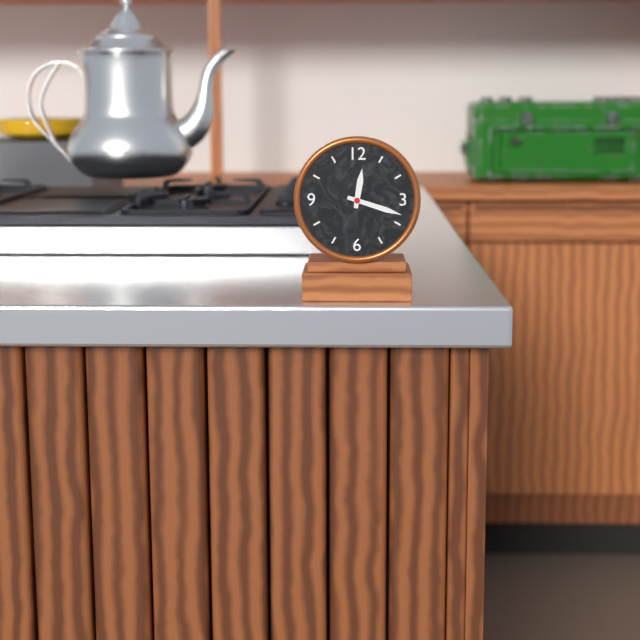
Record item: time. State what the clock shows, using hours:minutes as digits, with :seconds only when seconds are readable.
12:18
